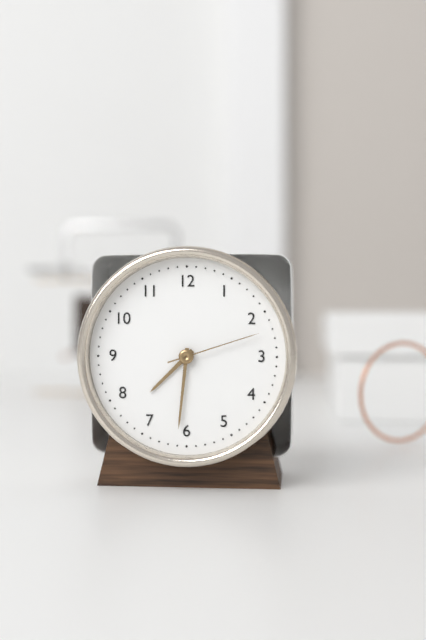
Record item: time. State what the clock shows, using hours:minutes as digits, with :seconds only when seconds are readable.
7:31:12
